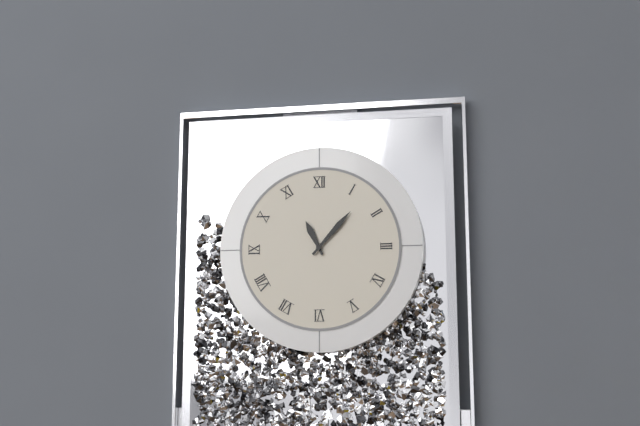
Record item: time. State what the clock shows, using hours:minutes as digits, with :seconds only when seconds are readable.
11:07
